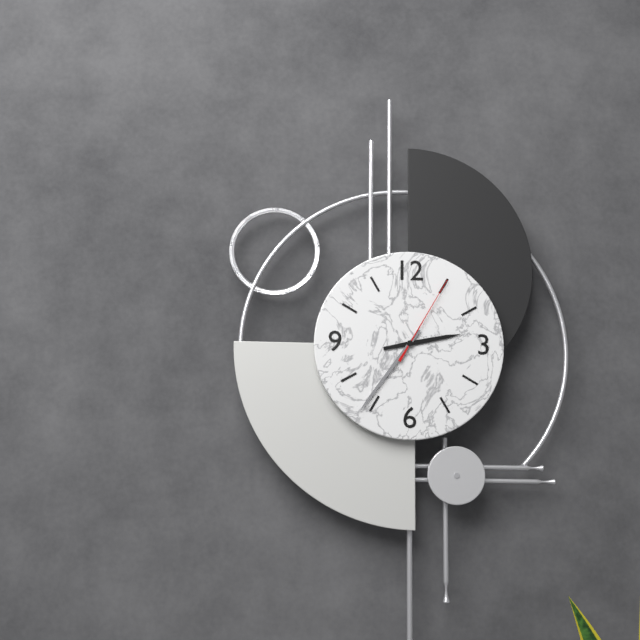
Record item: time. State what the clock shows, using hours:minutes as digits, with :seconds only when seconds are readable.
2:36:05
